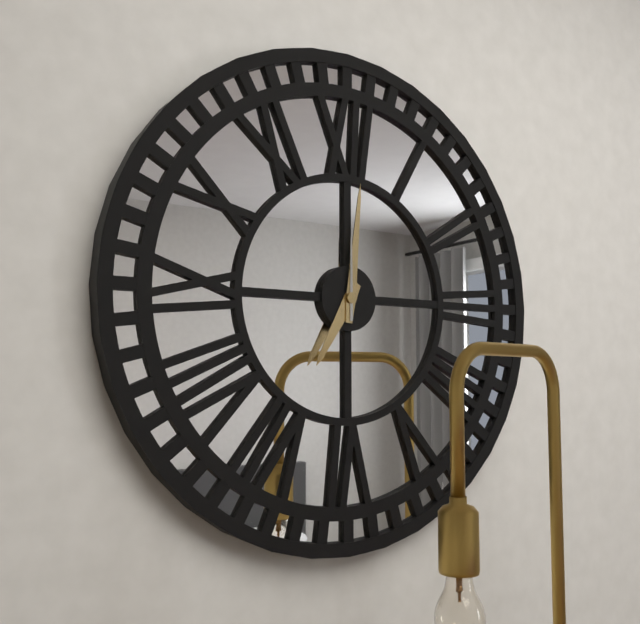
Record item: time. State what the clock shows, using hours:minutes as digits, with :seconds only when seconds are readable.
7:01:00
